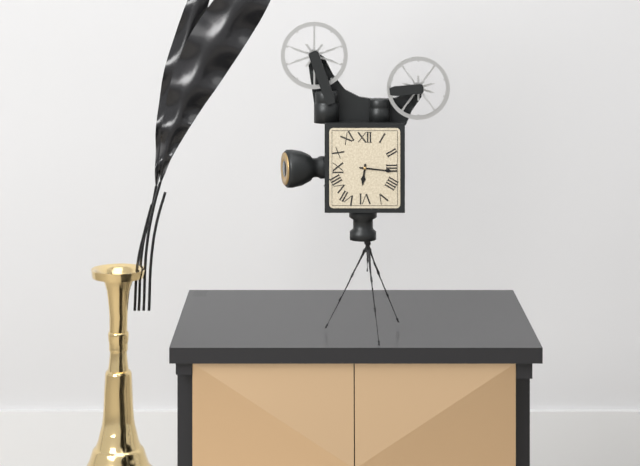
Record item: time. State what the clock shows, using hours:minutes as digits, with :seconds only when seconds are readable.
6:16
